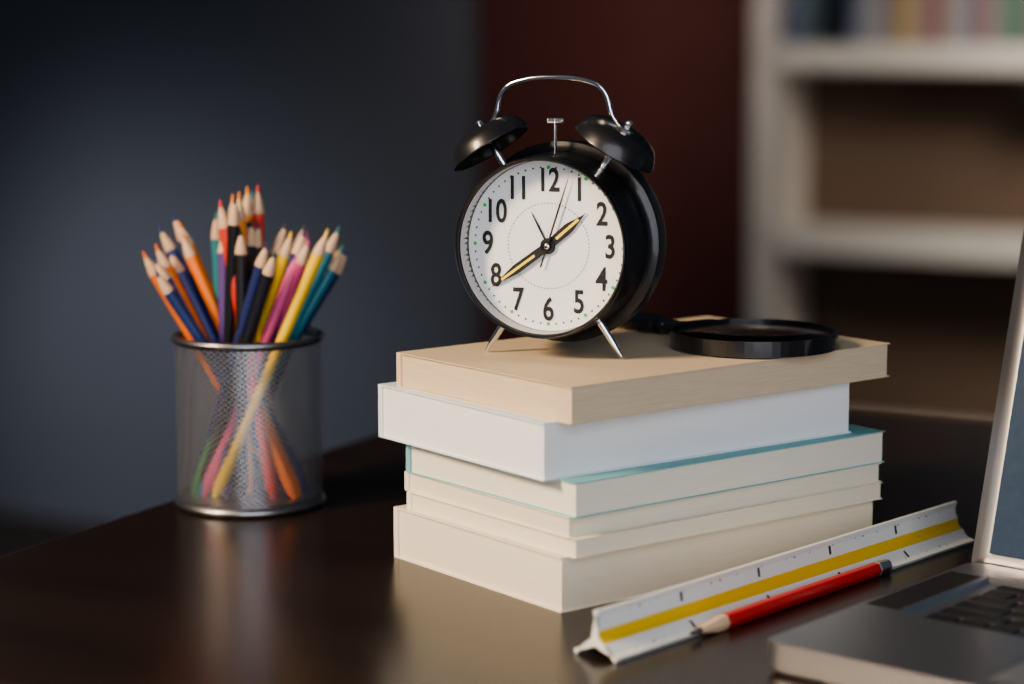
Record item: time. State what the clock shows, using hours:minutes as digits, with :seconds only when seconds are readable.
1:39:03
